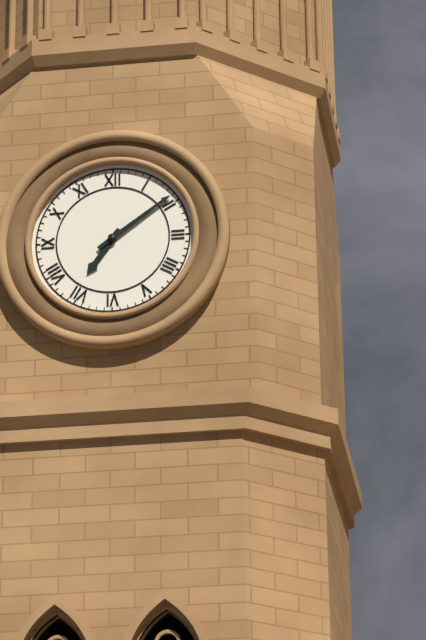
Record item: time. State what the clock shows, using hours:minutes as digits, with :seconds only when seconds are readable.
7:09
